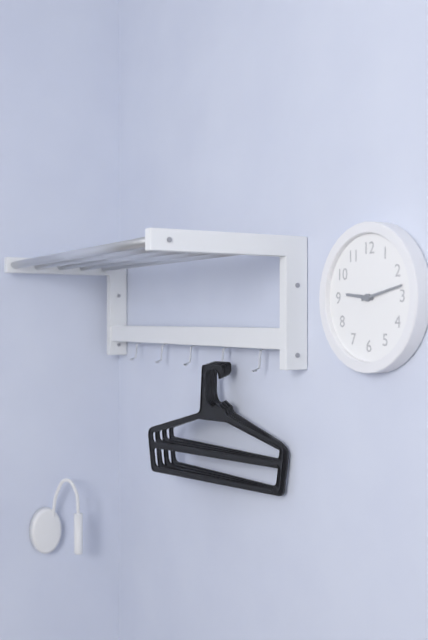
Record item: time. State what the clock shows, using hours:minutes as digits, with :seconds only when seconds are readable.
9:13
